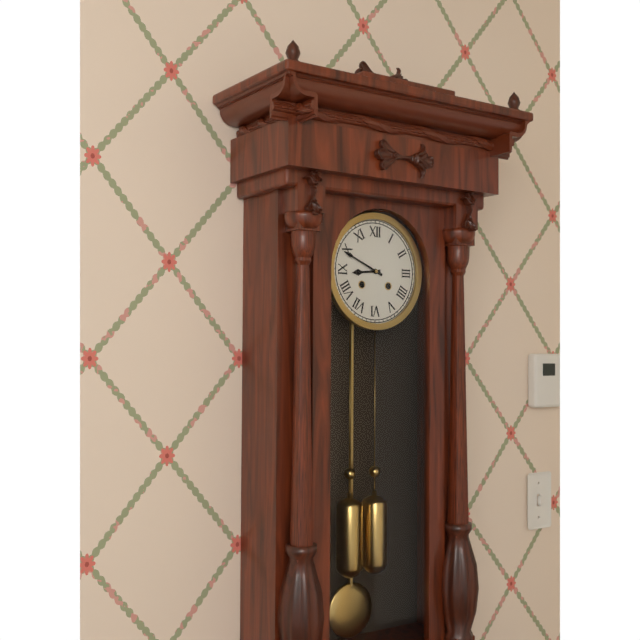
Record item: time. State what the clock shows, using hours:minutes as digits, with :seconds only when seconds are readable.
8:49
